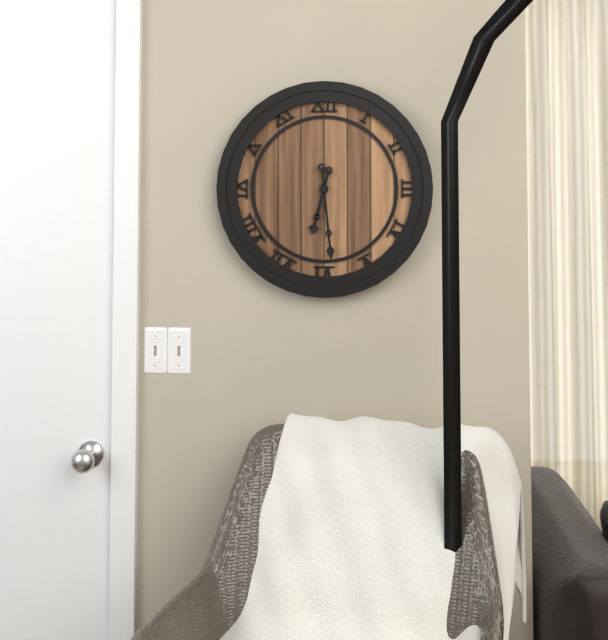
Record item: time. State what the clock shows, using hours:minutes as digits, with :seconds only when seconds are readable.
6:29
